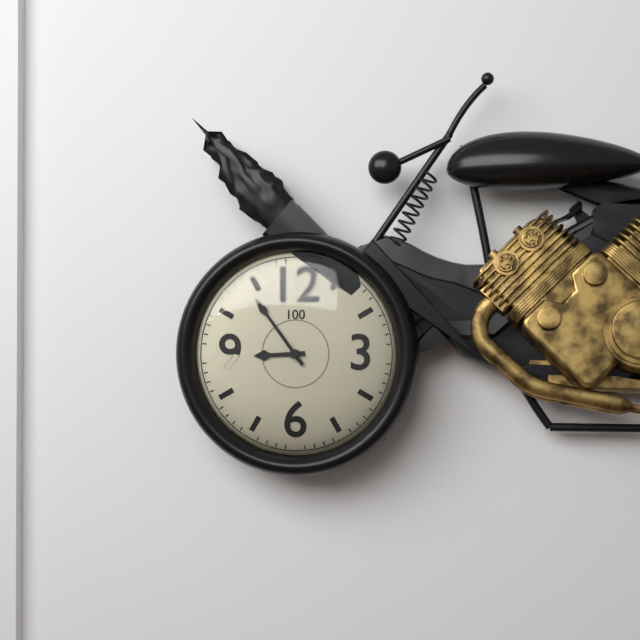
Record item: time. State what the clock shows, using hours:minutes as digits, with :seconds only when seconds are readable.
8:54
